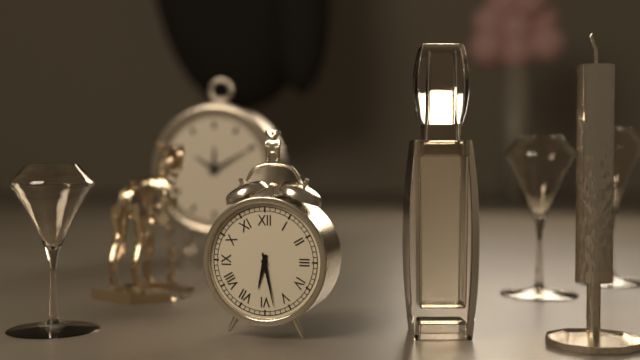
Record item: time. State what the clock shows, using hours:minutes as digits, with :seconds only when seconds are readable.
6:28
